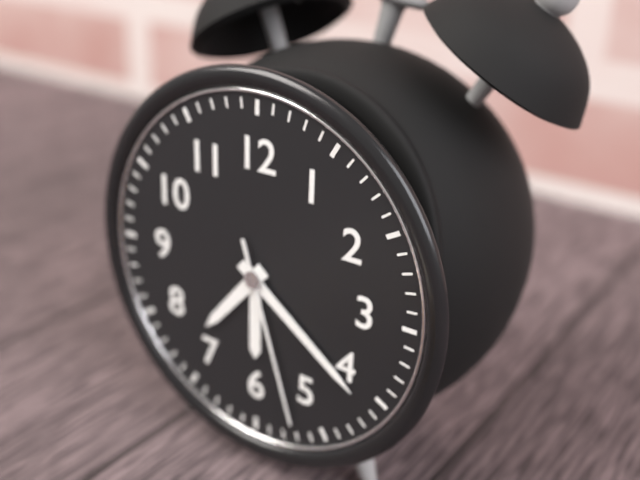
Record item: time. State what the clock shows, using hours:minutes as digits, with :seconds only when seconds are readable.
7:21:27
